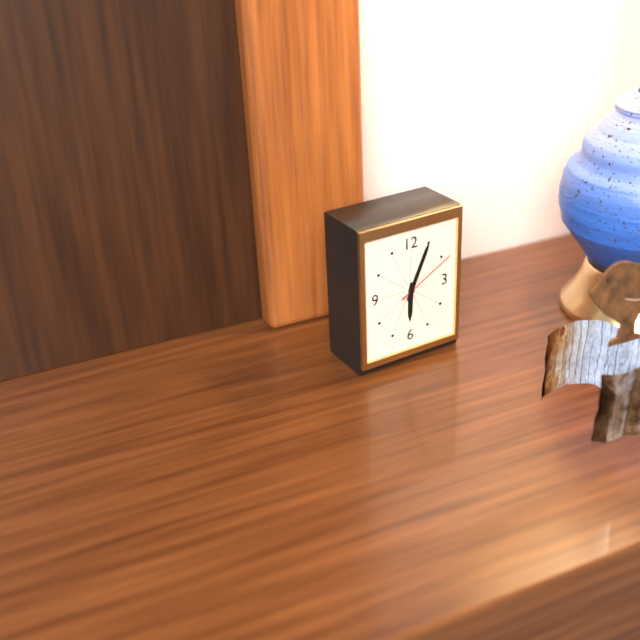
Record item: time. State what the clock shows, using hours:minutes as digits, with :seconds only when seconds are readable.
6:04:10
